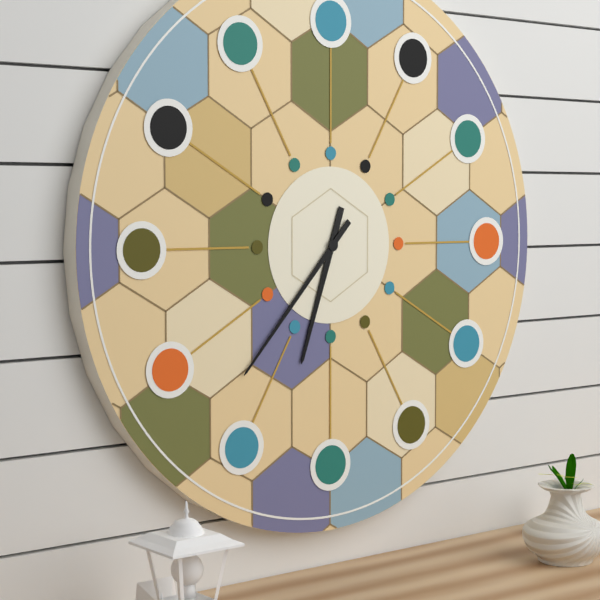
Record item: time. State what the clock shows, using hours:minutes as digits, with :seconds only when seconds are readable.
6:37
